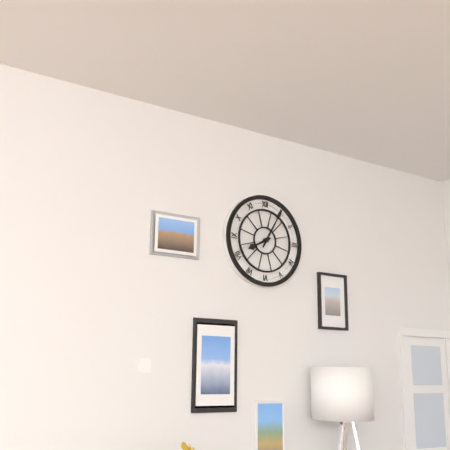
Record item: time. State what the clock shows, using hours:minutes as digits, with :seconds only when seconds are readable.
8:05
